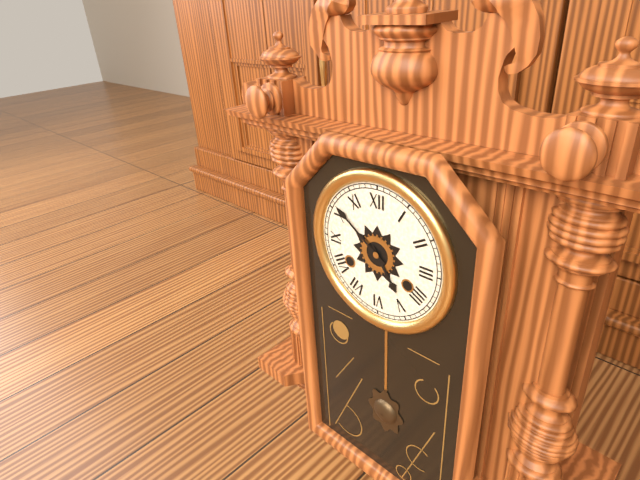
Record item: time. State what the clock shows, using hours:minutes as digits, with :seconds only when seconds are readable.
4:51
